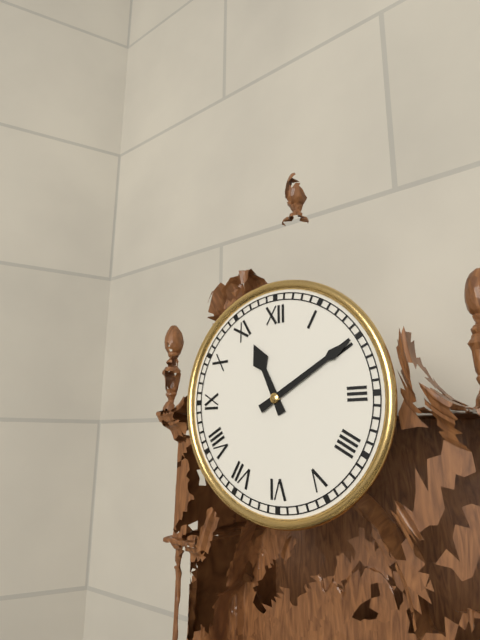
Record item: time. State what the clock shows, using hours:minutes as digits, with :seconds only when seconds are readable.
11:10
